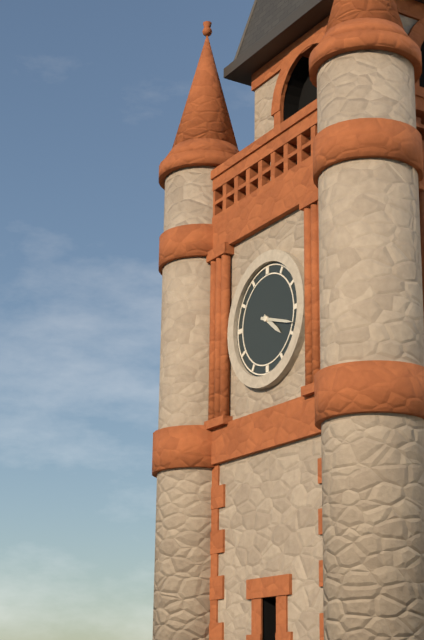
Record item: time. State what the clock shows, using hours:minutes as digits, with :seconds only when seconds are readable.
4:18
